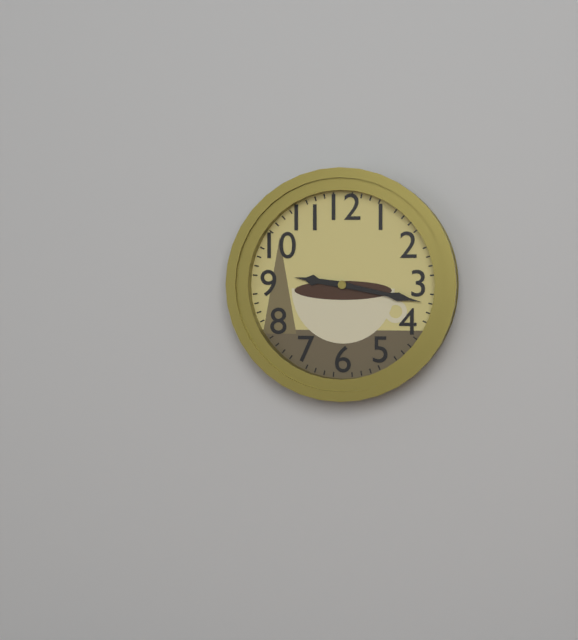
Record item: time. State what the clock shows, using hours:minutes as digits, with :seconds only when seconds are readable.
9:17
